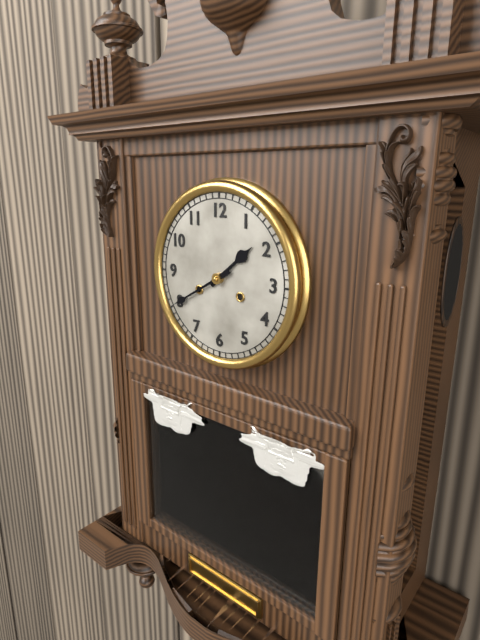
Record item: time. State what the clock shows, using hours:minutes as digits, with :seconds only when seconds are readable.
1:40
